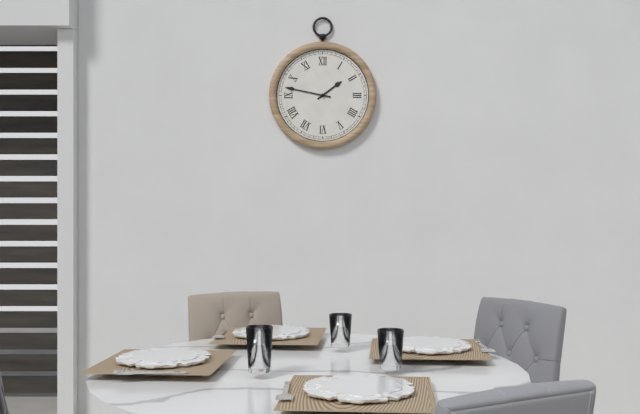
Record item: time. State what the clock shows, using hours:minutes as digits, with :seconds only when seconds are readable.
1:47
